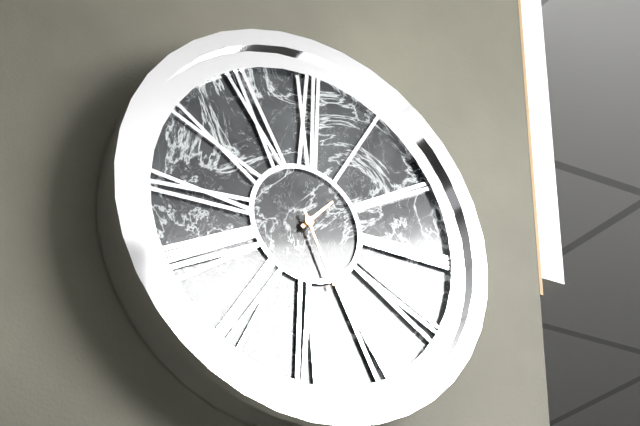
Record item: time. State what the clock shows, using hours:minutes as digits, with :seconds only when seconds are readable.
1:26
